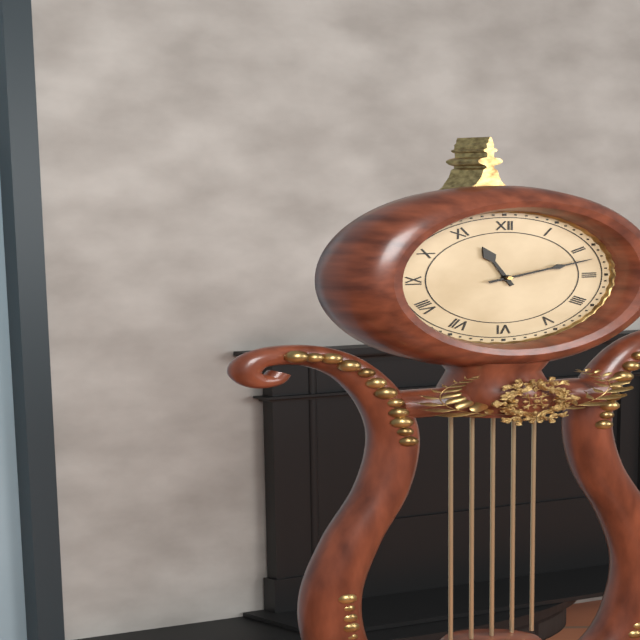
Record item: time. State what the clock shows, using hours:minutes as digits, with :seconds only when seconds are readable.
11:12
